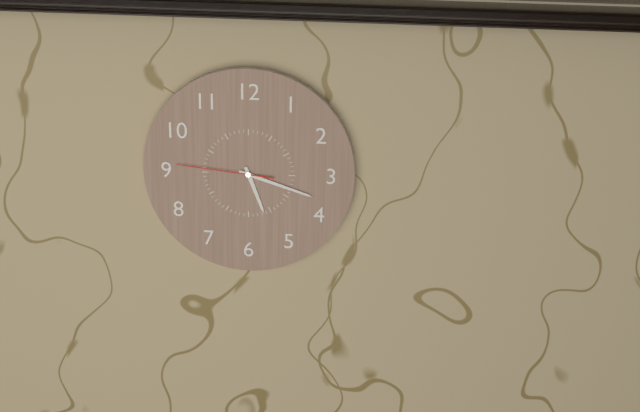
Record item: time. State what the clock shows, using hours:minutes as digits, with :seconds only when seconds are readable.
5:18:46
